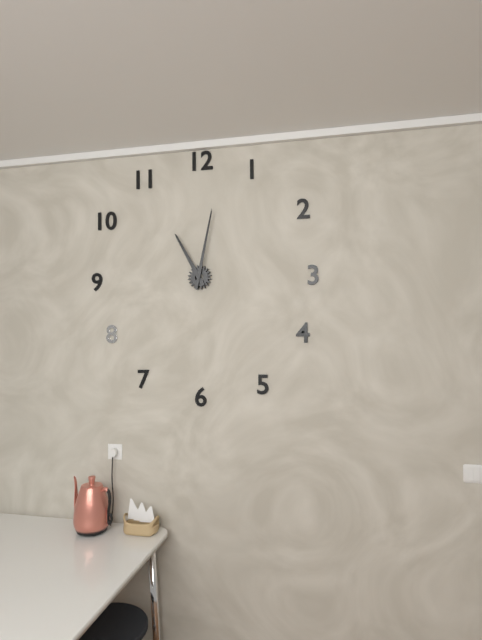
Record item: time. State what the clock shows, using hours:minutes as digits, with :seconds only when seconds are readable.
11:02
